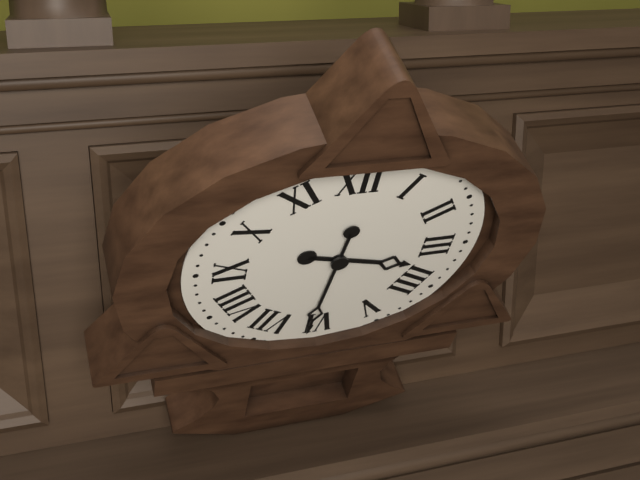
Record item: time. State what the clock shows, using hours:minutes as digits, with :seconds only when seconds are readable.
3:31
